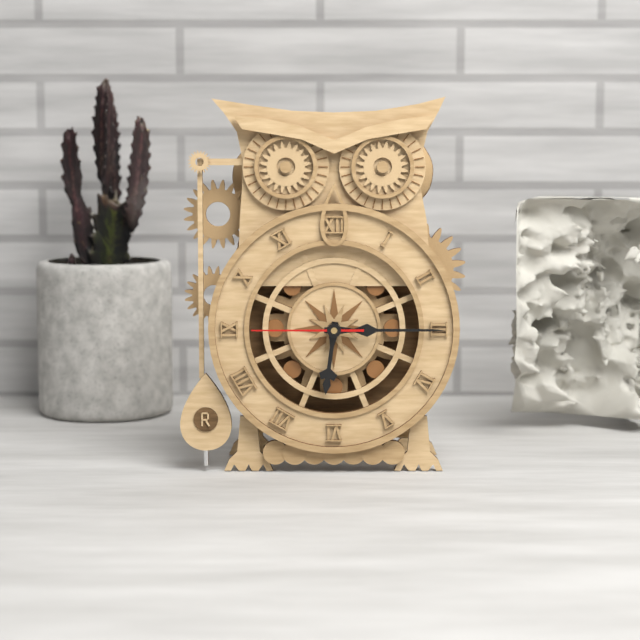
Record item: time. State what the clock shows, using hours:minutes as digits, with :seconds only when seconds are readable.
6:15:45
